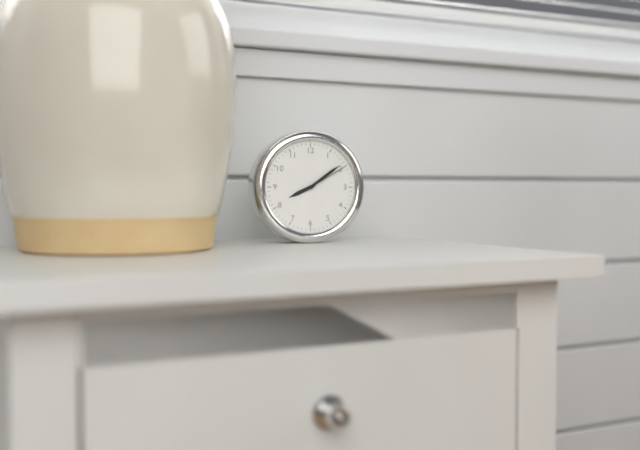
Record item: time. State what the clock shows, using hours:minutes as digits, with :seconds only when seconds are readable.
8:09
